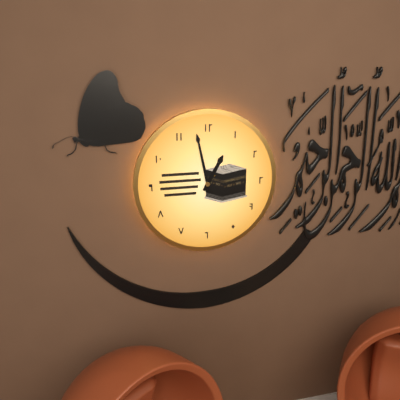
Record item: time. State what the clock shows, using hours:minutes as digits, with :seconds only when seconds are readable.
12:58
